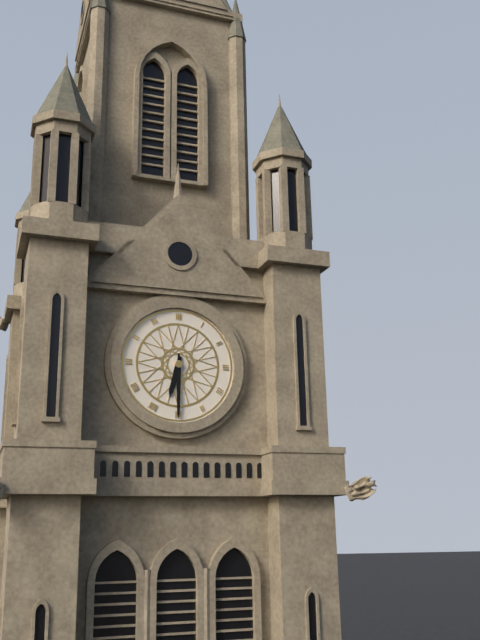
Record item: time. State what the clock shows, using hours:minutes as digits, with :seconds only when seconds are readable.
6:30
